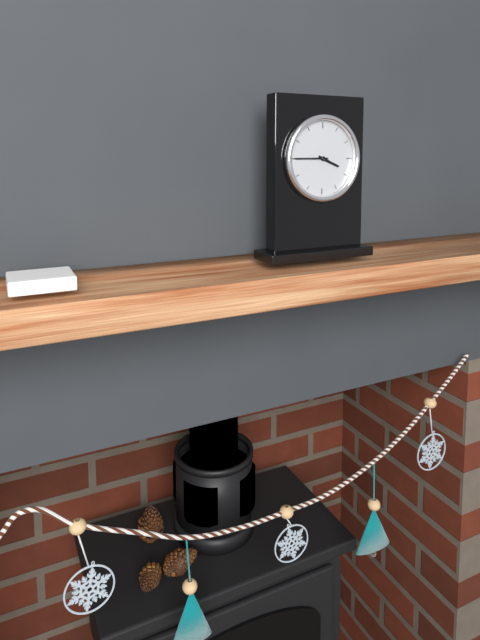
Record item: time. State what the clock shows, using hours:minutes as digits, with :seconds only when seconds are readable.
3:45
